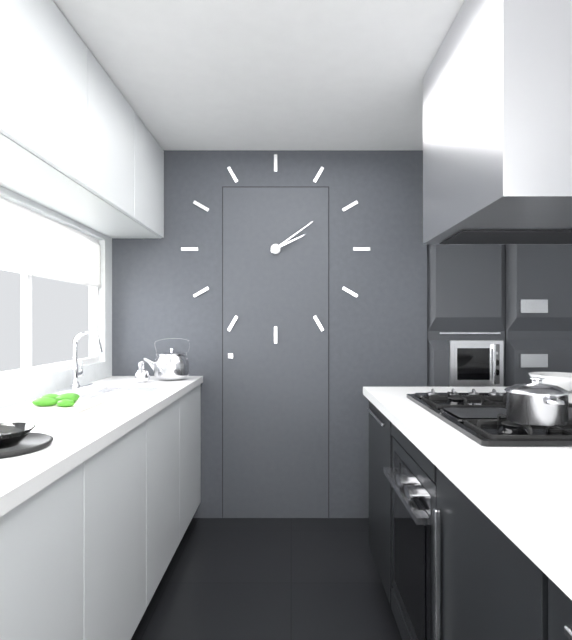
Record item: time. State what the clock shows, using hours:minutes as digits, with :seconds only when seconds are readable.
2:09
